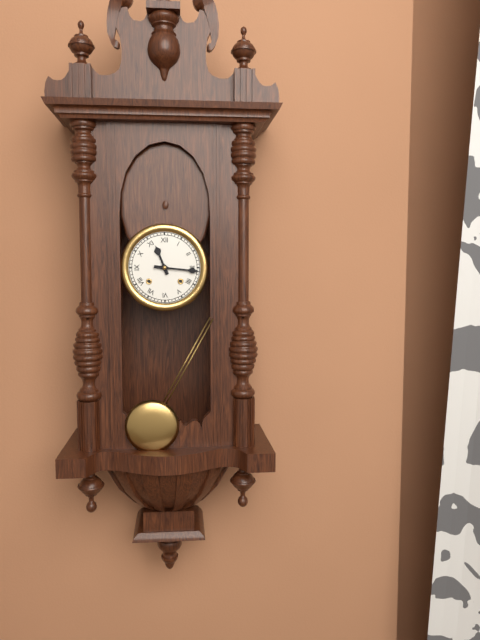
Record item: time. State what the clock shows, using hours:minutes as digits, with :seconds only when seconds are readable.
11:16
